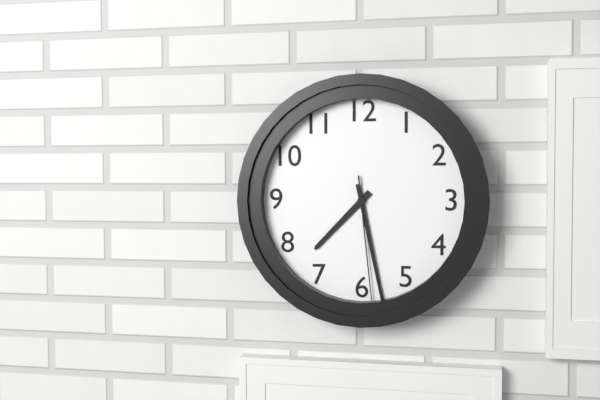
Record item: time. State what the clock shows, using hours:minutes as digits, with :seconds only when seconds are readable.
7:28:29
